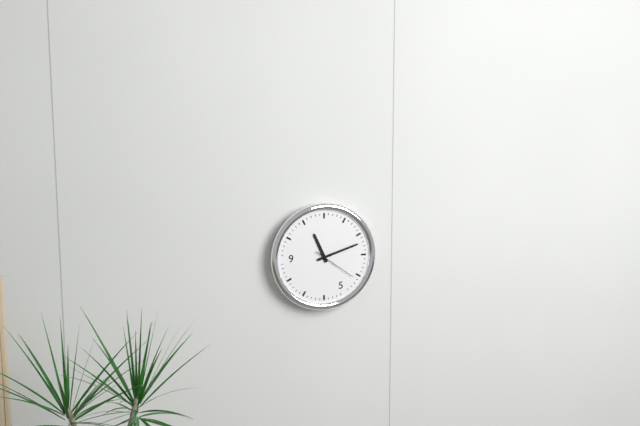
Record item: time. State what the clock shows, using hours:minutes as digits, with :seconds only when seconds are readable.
11:12
